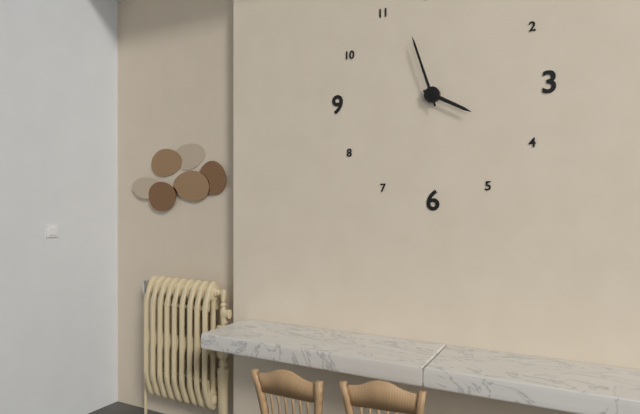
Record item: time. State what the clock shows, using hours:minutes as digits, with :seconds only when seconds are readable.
3:57
